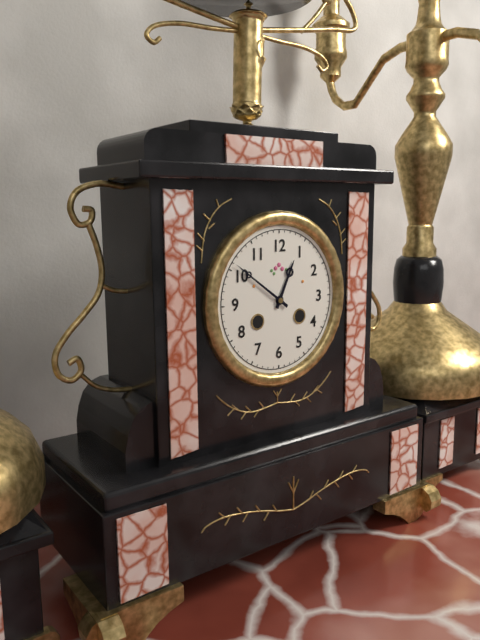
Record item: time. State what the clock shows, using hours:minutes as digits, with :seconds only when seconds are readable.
12:51
